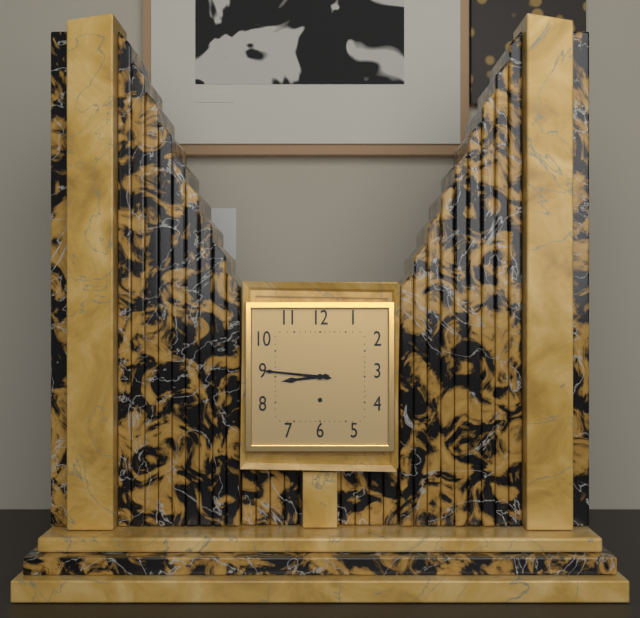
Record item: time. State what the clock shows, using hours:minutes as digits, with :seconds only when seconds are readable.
8:46
